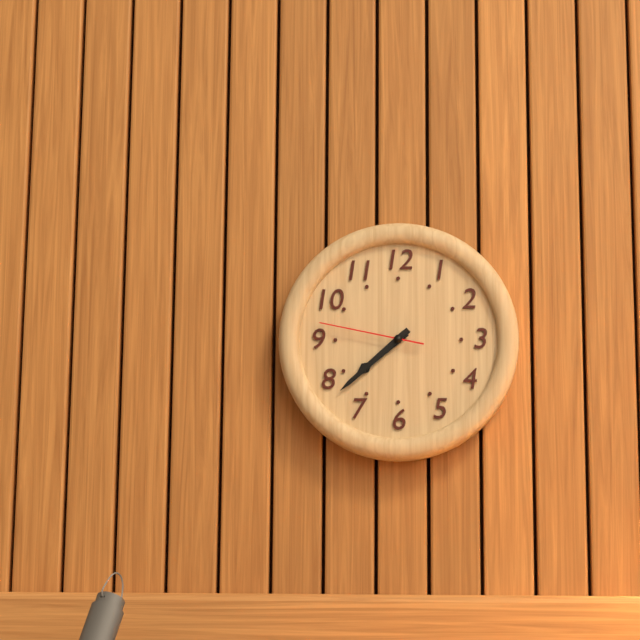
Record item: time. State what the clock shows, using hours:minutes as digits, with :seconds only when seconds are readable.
7:38:47
